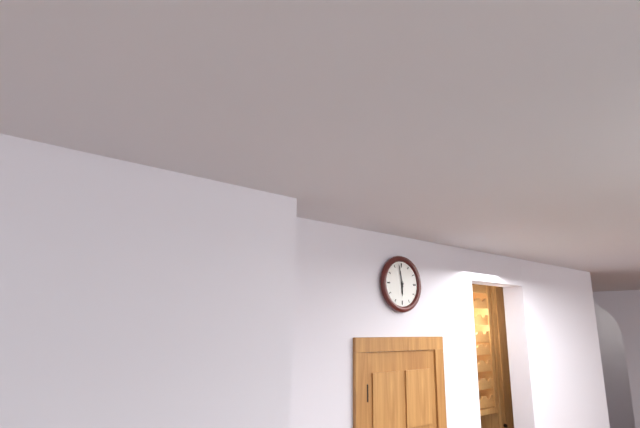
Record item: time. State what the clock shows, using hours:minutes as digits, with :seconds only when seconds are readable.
5:58
